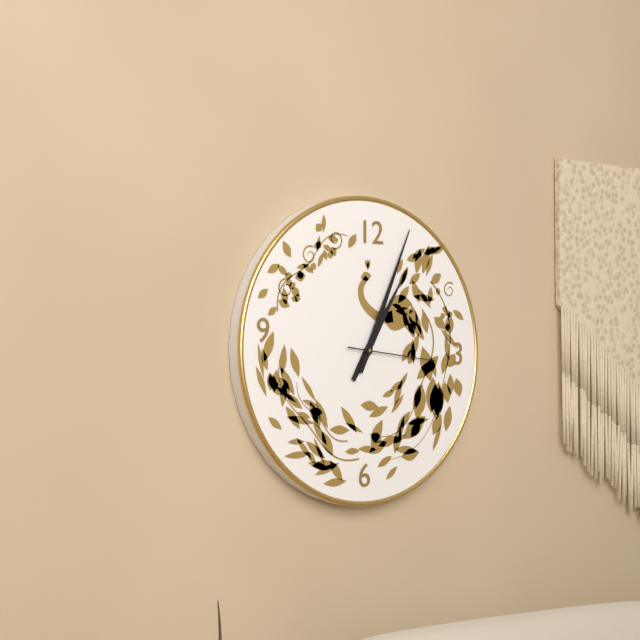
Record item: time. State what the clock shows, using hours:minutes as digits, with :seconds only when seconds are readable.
1:04:16
